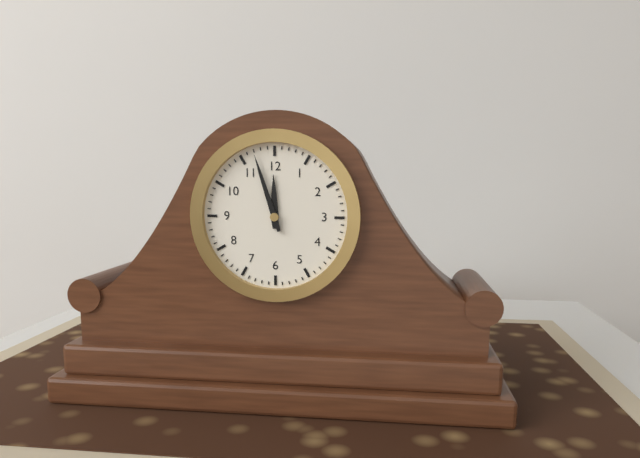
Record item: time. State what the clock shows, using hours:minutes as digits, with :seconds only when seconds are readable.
11:57
